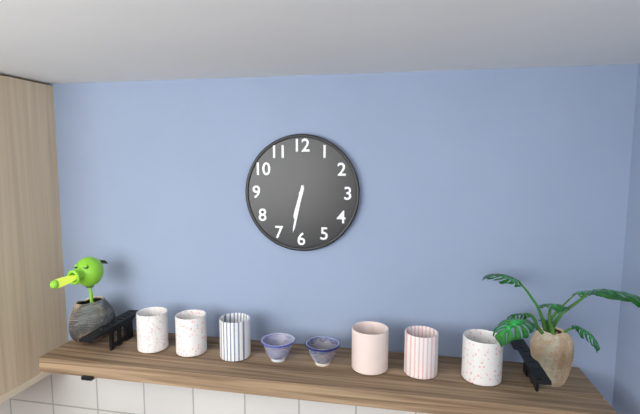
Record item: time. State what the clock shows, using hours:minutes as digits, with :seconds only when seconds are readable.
6:32
